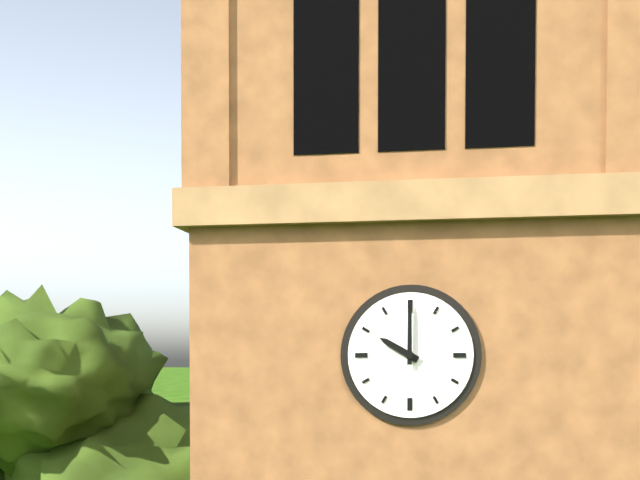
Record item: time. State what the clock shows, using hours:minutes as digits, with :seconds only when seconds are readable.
10:00
